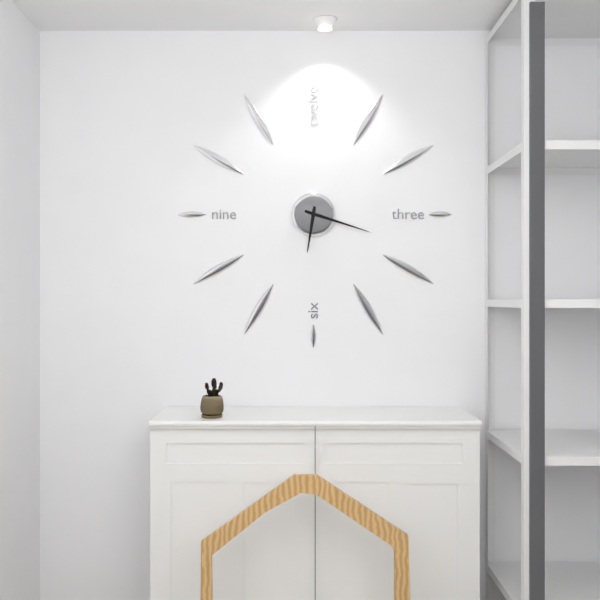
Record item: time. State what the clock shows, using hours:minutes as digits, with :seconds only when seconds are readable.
6:18
